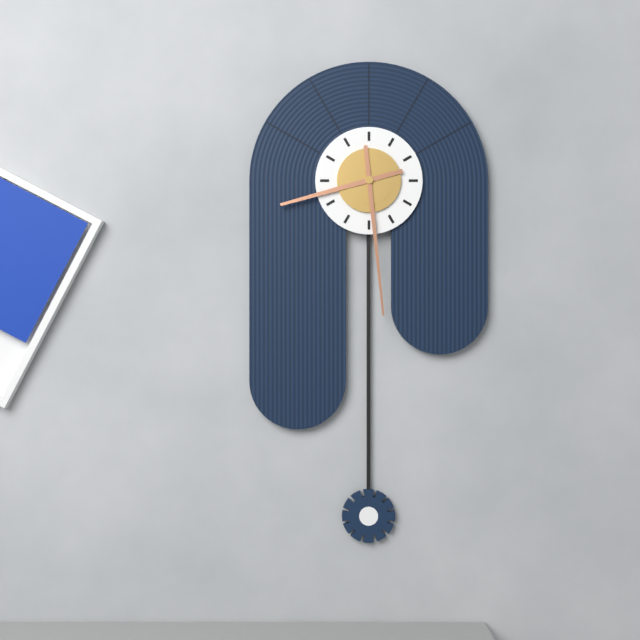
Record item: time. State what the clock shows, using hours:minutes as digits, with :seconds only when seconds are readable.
8:29
